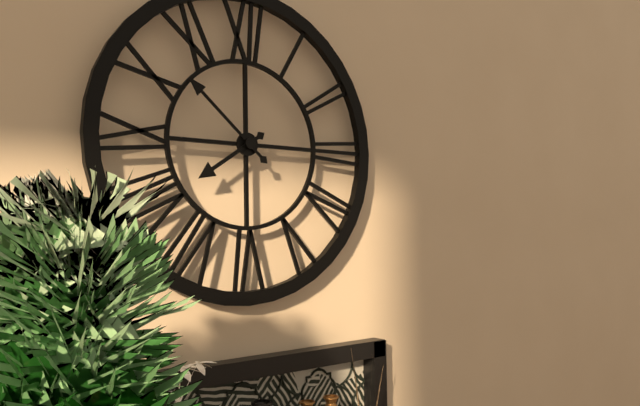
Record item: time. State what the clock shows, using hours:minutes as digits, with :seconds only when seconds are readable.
7:52
